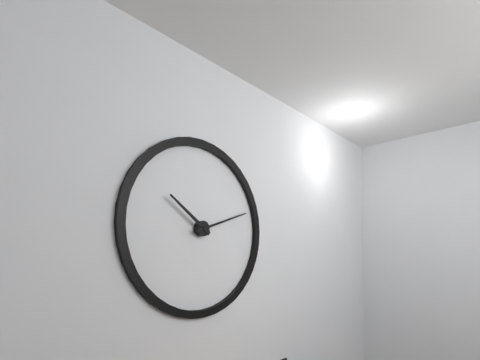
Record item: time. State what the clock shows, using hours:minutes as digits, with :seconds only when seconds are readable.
10:12
